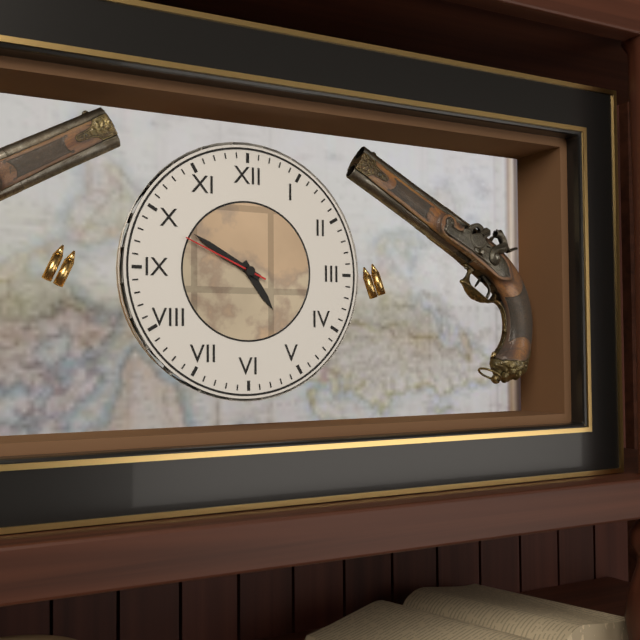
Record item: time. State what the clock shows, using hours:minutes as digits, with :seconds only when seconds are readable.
4:50:49
